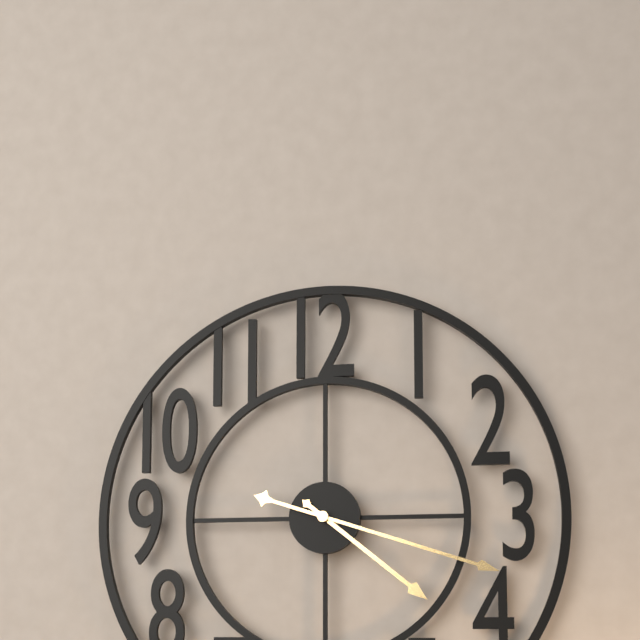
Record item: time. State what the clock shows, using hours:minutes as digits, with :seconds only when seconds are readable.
4:18
